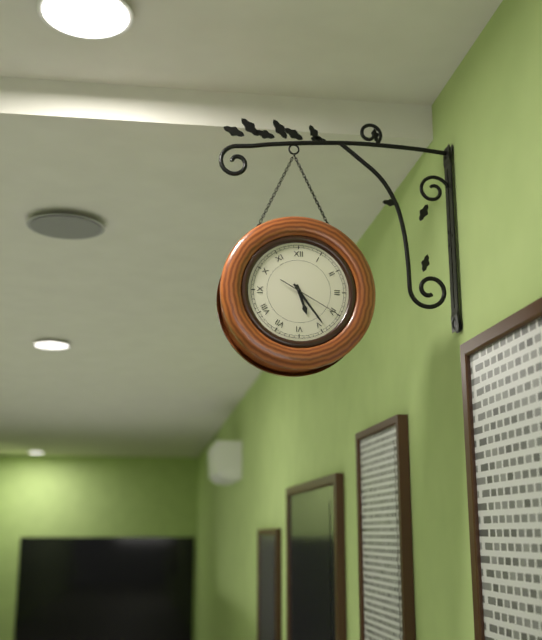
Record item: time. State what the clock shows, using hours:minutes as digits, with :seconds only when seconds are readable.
5:24:20
